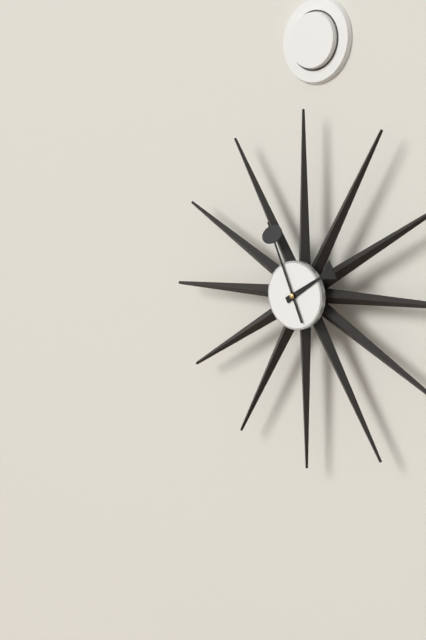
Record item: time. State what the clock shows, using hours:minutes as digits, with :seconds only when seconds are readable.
1:56
